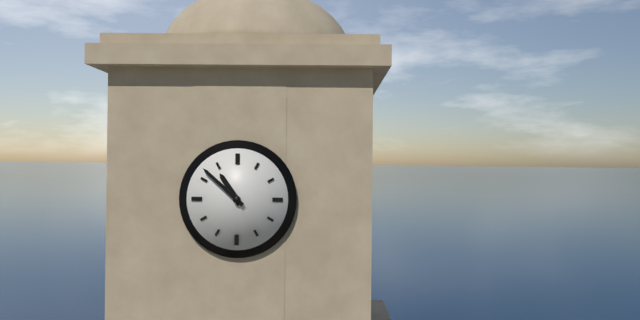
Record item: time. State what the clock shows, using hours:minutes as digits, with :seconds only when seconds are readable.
10:52
